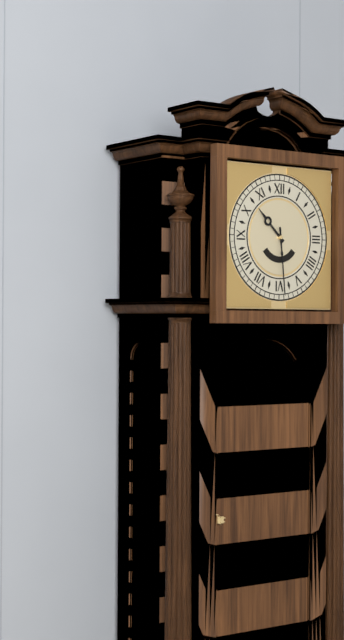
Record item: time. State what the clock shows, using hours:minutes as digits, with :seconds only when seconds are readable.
10:29
